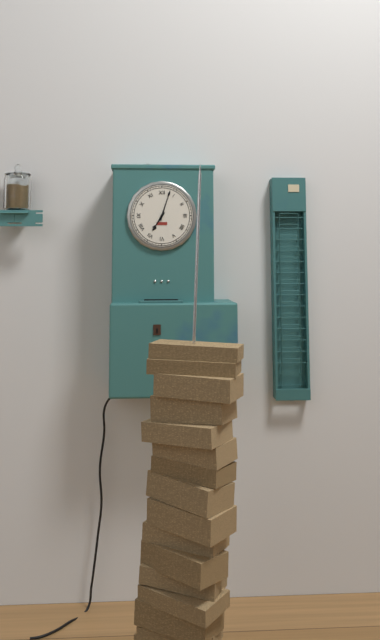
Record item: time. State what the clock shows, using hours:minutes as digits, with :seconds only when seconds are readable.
7:03
